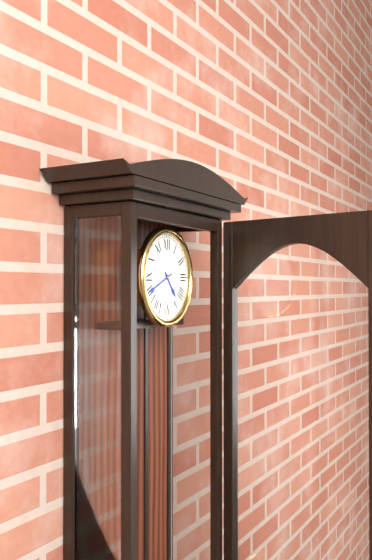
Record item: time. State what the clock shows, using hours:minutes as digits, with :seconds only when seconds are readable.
4:41
